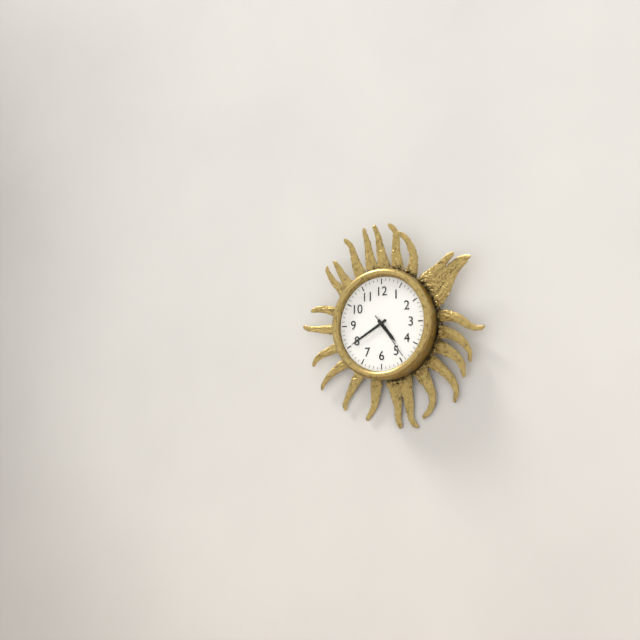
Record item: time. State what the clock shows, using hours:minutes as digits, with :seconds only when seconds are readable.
4:40
